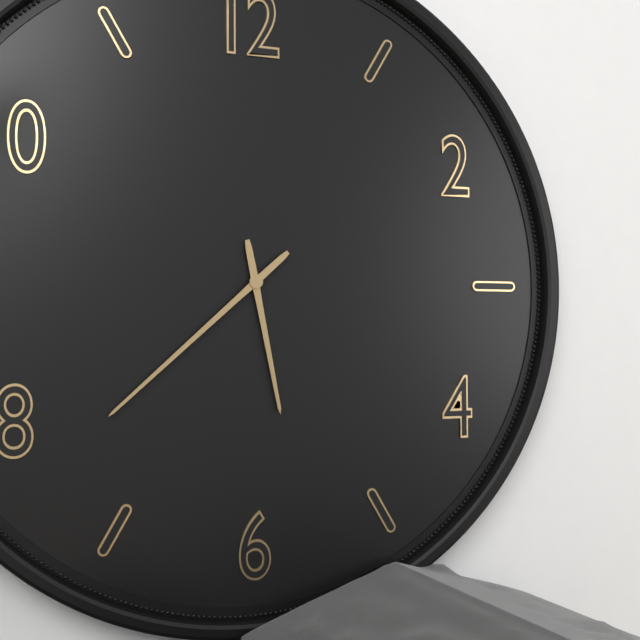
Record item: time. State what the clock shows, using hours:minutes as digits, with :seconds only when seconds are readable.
5:38
